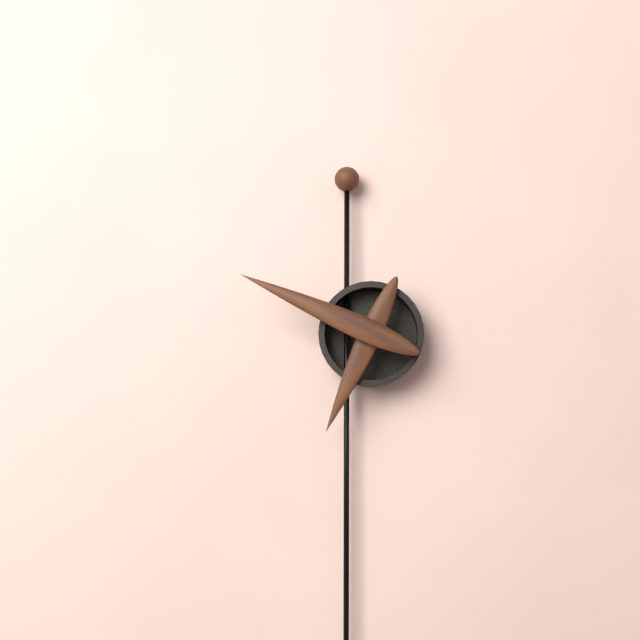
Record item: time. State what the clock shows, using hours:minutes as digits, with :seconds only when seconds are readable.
6:49
